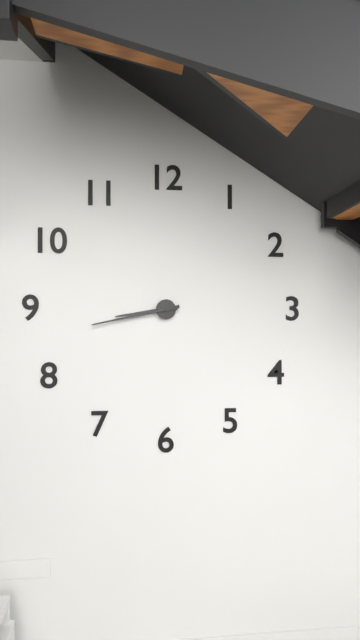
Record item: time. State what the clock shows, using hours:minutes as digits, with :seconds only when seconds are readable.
8:43
